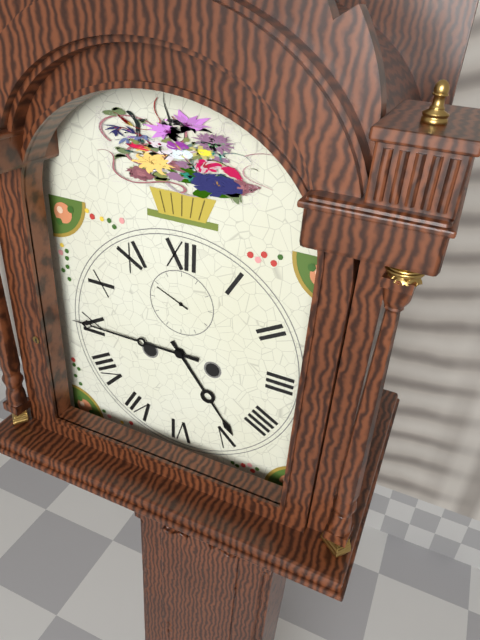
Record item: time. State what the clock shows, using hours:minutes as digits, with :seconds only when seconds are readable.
4:45
